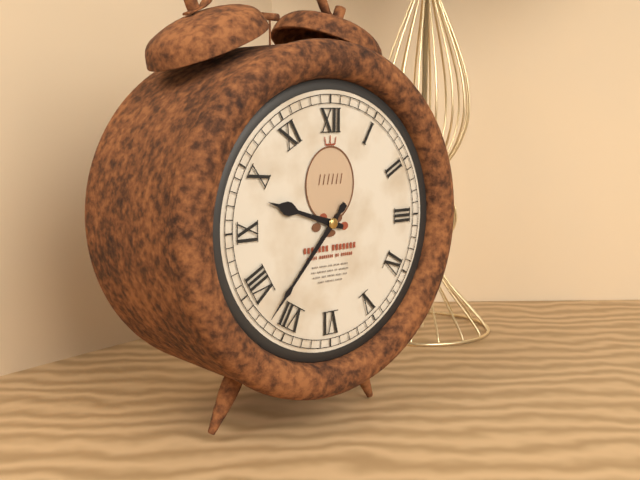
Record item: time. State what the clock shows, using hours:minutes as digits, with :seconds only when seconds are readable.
9:37
